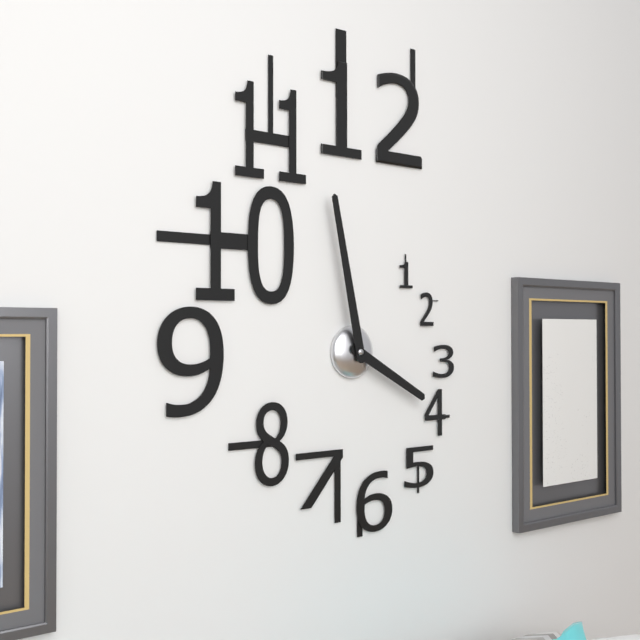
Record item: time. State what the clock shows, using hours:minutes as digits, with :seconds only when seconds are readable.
3:58
